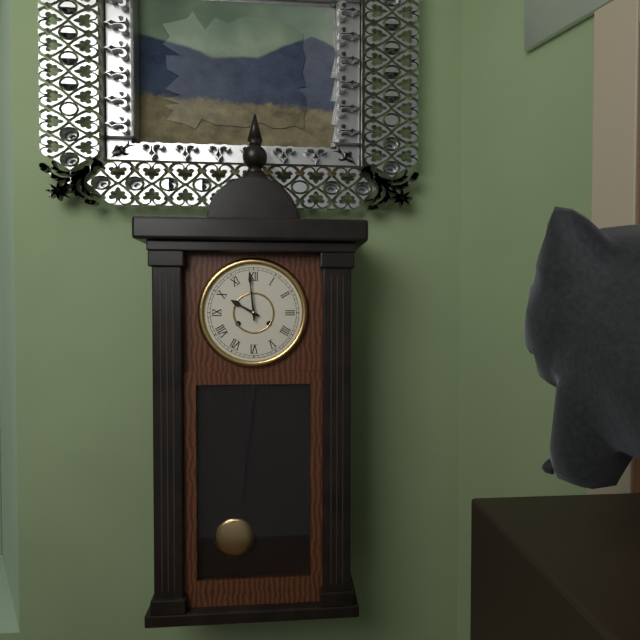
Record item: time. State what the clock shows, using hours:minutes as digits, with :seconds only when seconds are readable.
9:59
